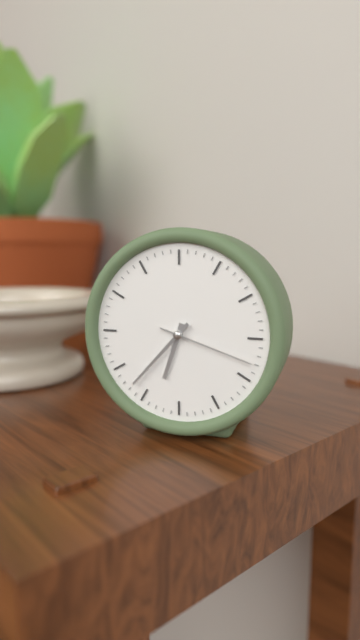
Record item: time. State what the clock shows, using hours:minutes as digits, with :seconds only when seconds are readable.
6:37:18
